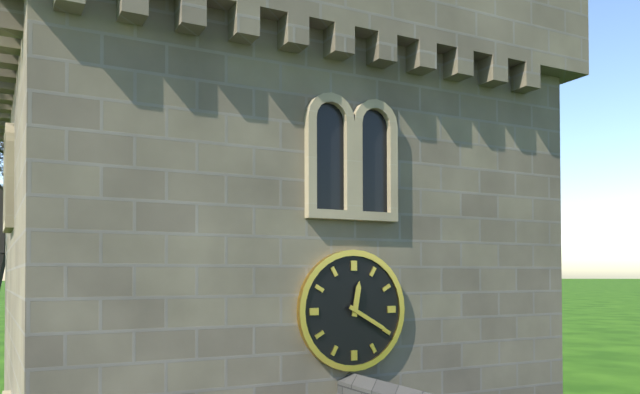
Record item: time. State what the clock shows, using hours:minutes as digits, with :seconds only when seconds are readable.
12:20
